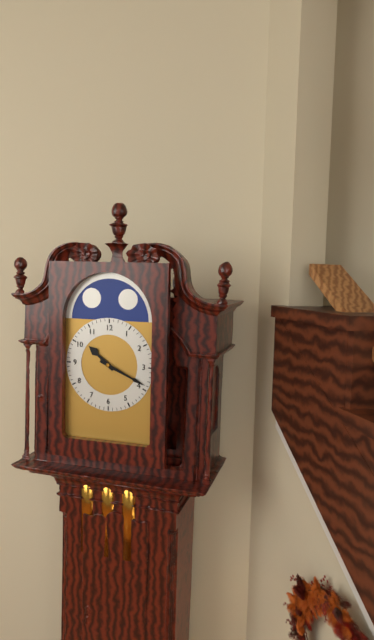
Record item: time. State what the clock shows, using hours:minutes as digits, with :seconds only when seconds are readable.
10:19
